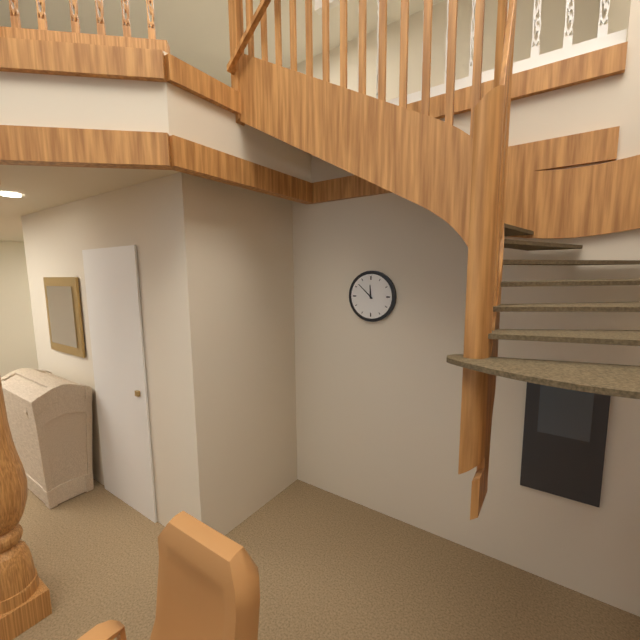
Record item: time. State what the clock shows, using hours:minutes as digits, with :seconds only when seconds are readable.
11:52
